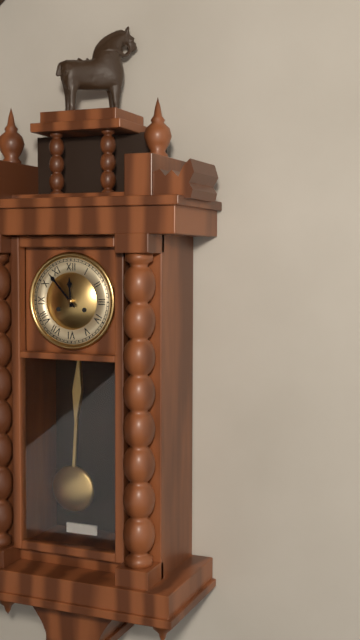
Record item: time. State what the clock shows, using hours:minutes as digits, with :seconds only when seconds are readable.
11:53
